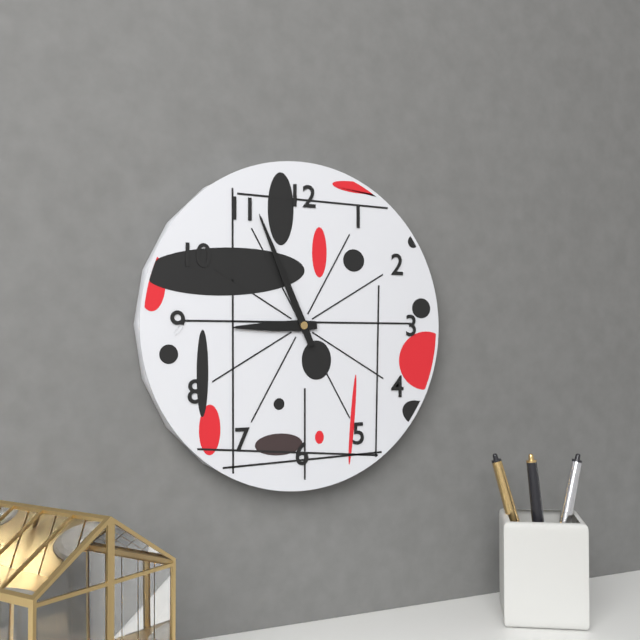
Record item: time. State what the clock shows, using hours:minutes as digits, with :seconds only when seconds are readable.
8:56
